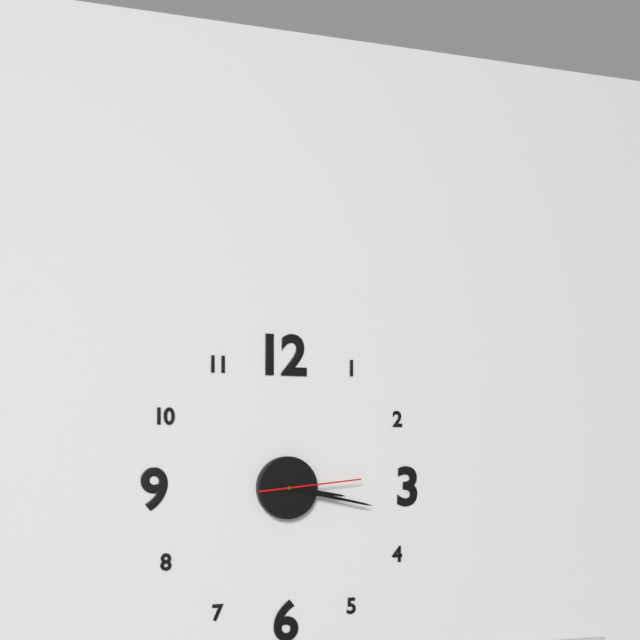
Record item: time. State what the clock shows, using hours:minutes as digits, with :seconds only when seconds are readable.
3:17:14
